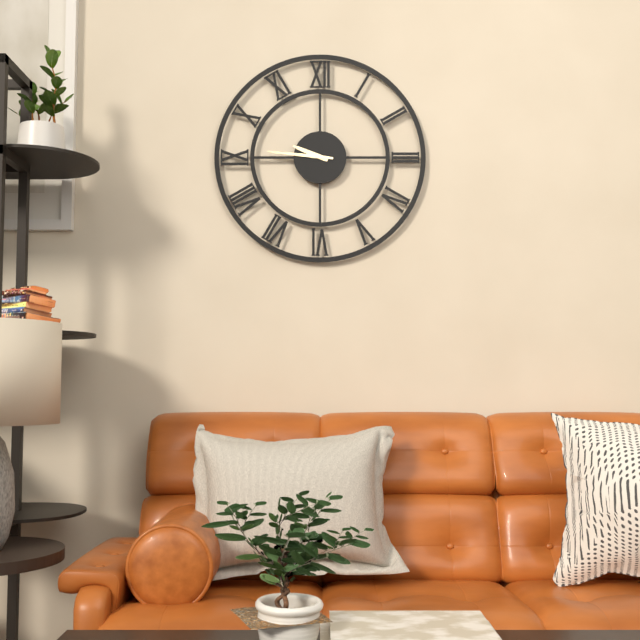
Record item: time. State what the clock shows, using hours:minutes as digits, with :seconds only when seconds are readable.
9:46
